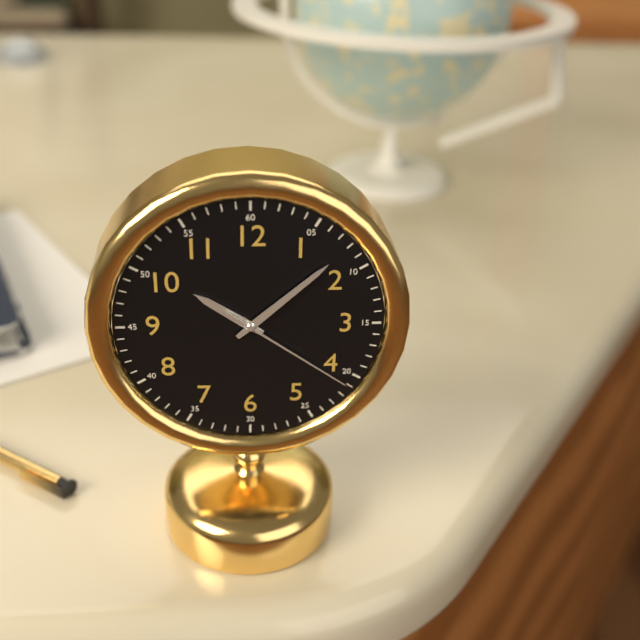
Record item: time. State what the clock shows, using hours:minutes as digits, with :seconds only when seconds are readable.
10:08:21
